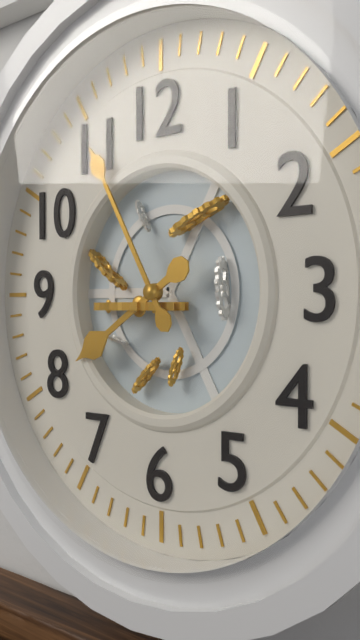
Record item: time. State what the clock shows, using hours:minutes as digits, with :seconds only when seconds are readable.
7:55
